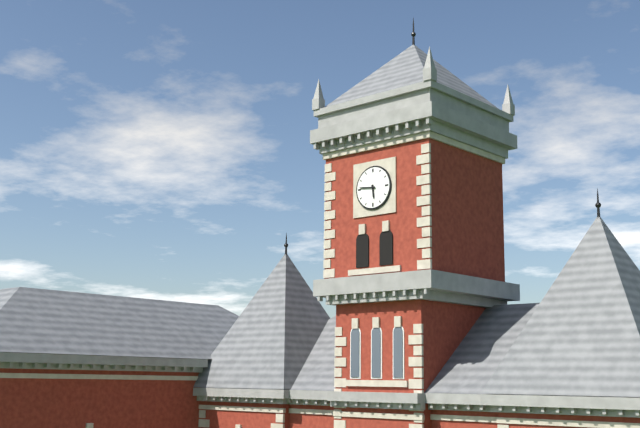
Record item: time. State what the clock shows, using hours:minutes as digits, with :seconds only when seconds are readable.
5:46
